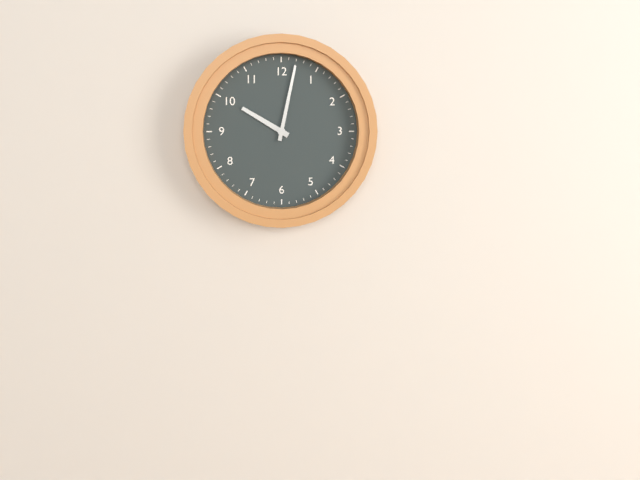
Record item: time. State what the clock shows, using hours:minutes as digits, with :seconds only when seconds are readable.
10:02
